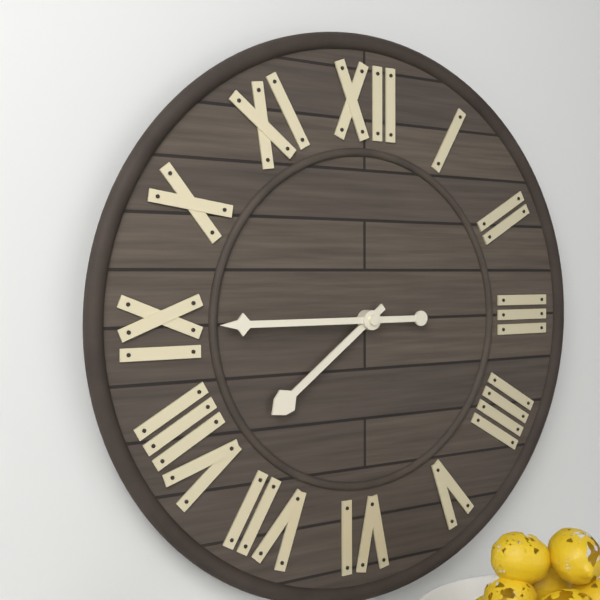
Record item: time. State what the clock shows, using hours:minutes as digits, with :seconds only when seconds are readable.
7:45
